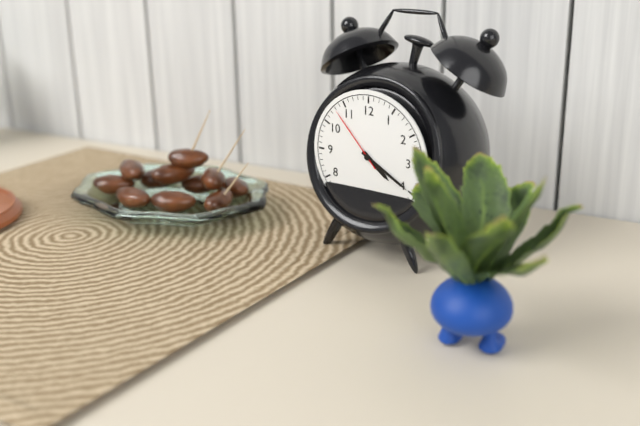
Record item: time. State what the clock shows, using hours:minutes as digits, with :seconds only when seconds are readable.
4:20:53
